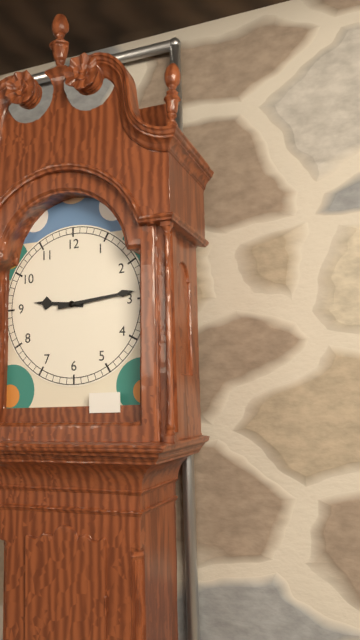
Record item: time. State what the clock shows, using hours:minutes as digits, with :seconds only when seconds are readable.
9:14
